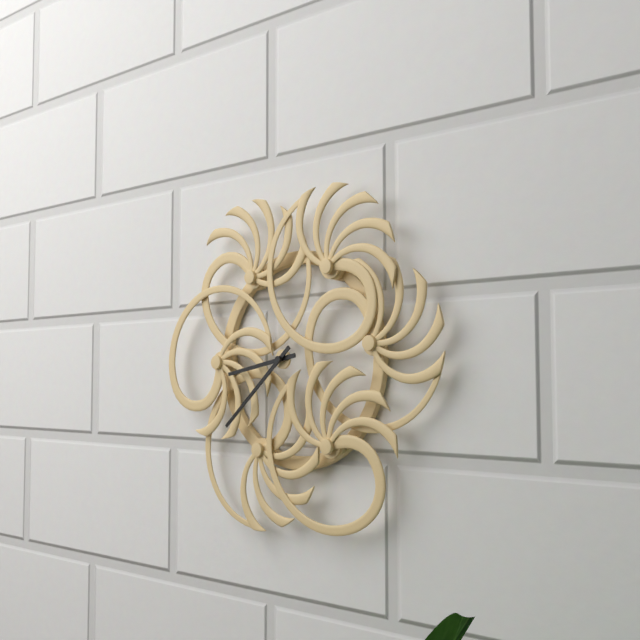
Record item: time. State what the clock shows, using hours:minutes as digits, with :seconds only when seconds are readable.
8:38
